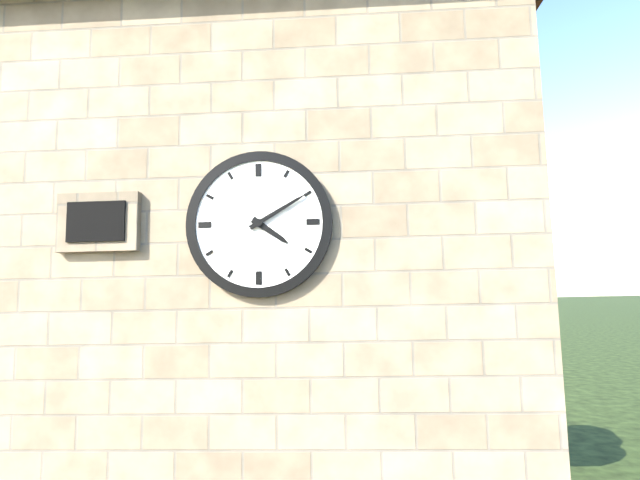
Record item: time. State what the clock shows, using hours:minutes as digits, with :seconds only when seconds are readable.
4:10
